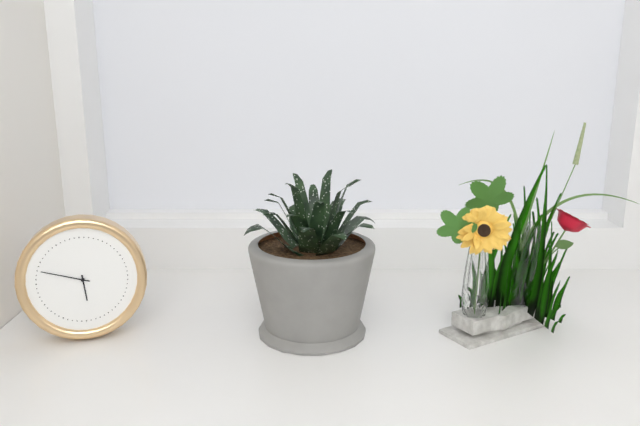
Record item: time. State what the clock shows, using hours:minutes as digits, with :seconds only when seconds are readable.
5:48
